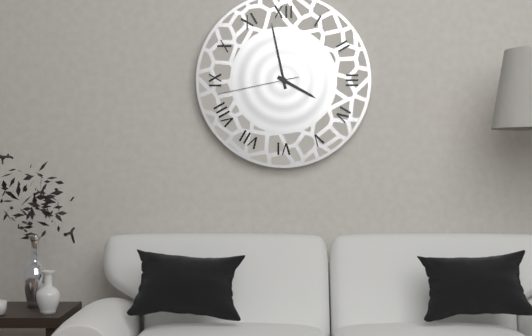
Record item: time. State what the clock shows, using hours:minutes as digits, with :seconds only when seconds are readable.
3:58:43
